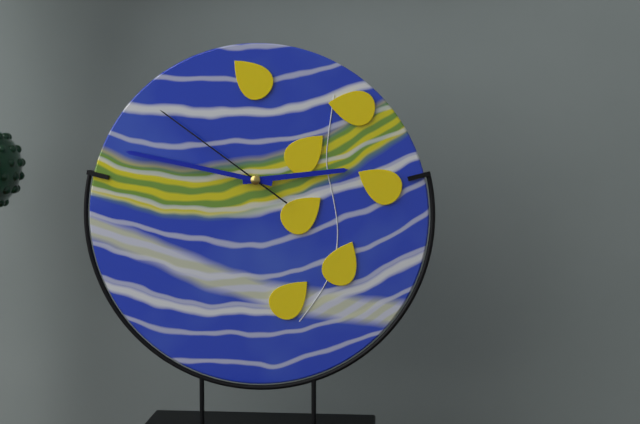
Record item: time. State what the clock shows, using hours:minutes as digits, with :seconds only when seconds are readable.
2:47:51
